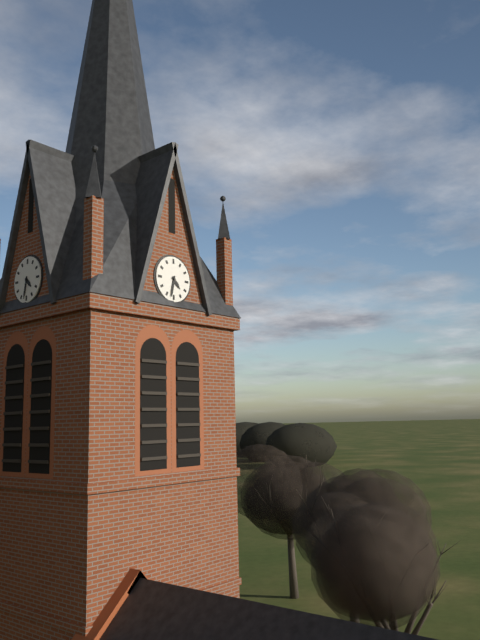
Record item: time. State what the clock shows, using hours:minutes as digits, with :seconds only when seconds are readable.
4:32
